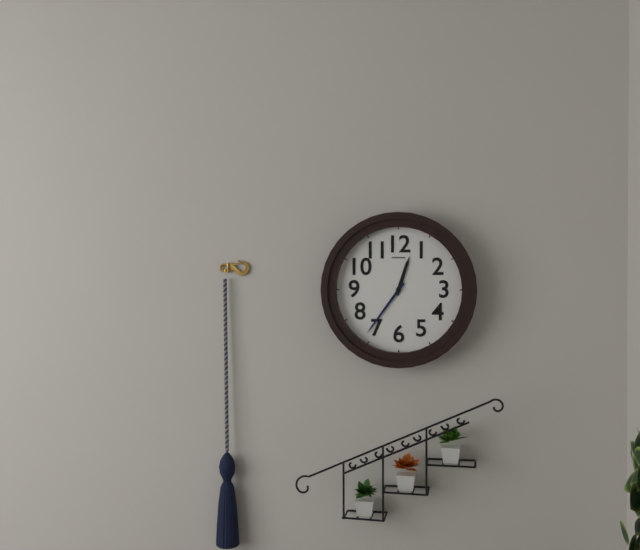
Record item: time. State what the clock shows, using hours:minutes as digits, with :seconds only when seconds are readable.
12:36
